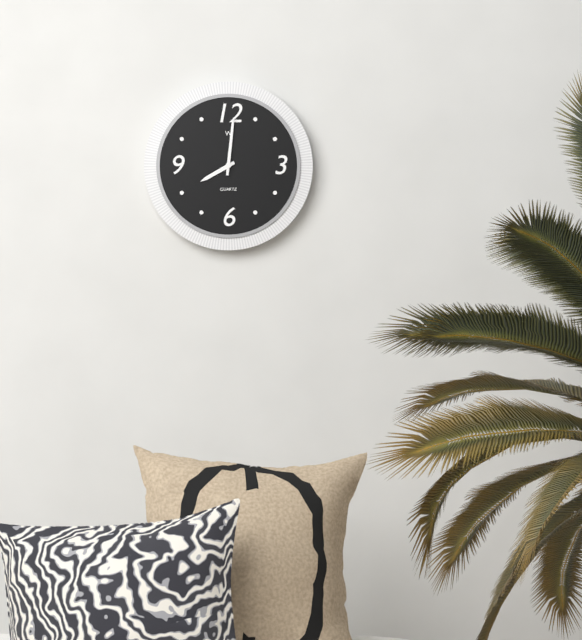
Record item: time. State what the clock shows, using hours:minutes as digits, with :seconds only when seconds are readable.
8:01
